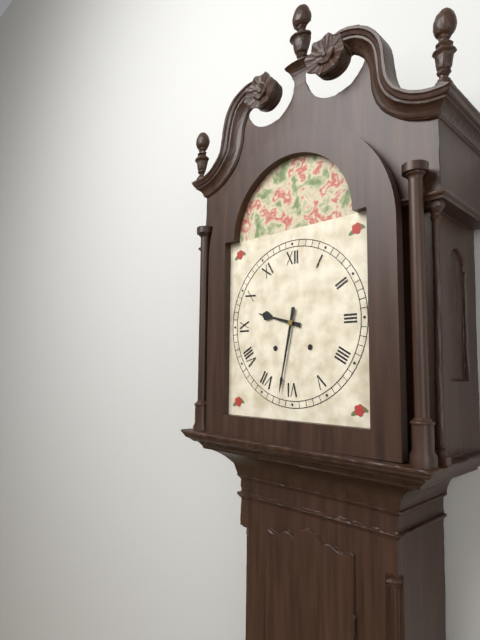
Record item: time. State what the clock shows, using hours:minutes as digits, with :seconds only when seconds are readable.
9:32
